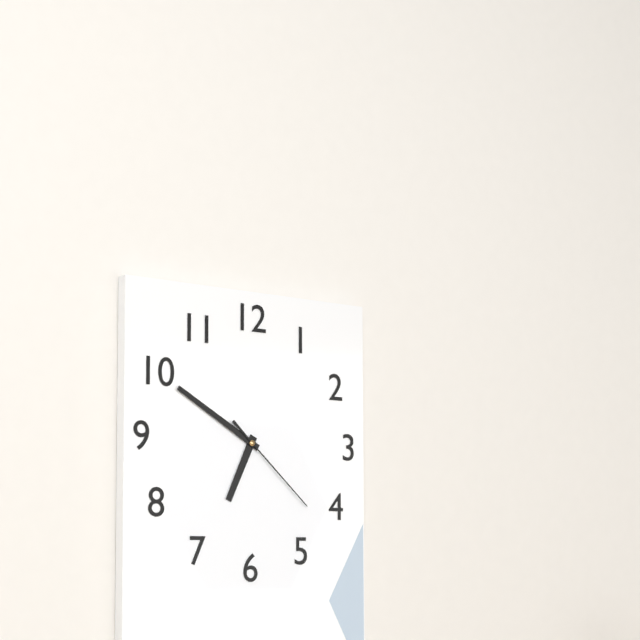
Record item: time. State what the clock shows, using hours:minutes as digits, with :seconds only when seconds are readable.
6:50:22
